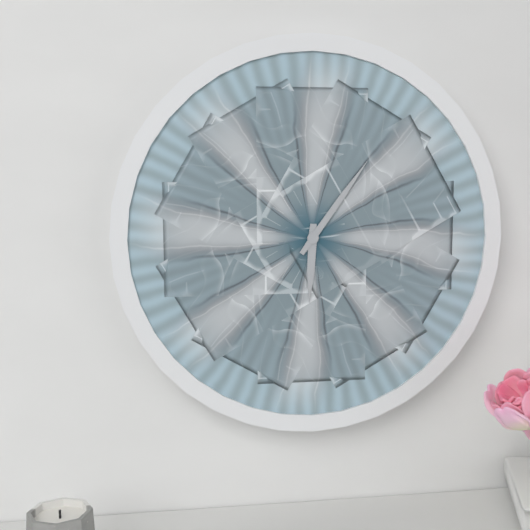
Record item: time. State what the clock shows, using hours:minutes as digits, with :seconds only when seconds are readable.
6:06
